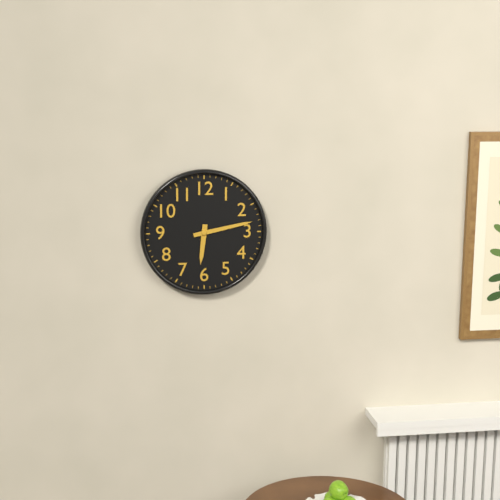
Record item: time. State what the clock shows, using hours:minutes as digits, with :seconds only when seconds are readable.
6:13
